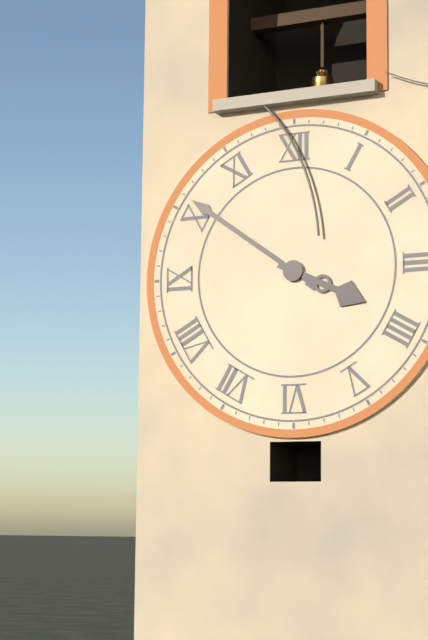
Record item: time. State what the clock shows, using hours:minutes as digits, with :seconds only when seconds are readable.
3:51
